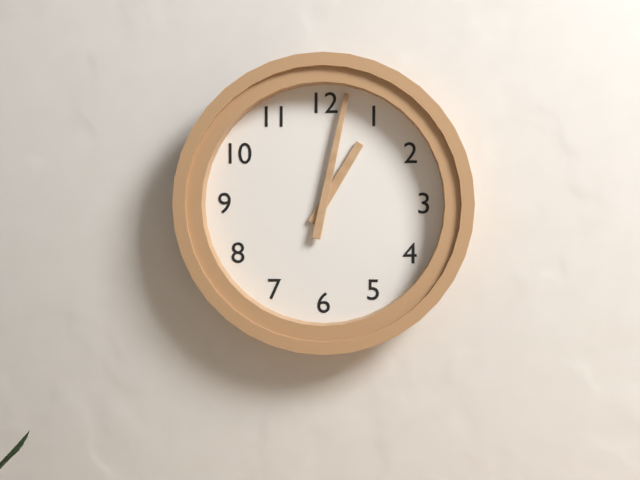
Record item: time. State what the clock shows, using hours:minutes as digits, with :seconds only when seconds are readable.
1:02
